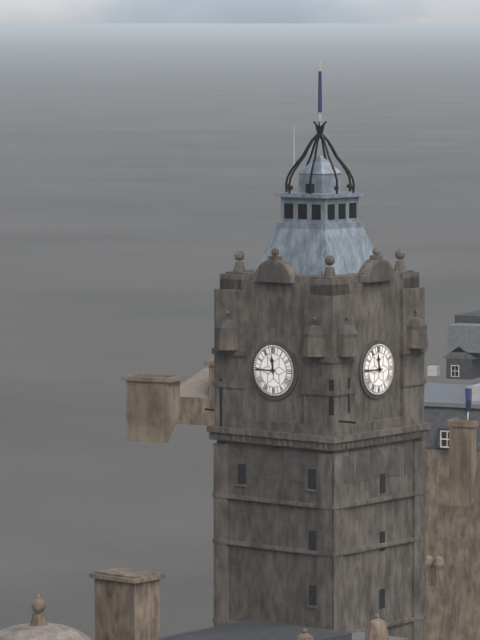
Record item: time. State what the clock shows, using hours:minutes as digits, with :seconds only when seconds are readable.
11:45
